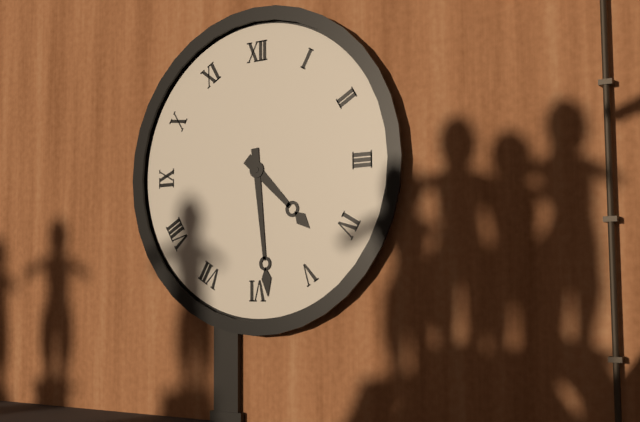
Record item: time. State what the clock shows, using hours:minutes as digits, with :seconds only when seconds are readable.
4:29
